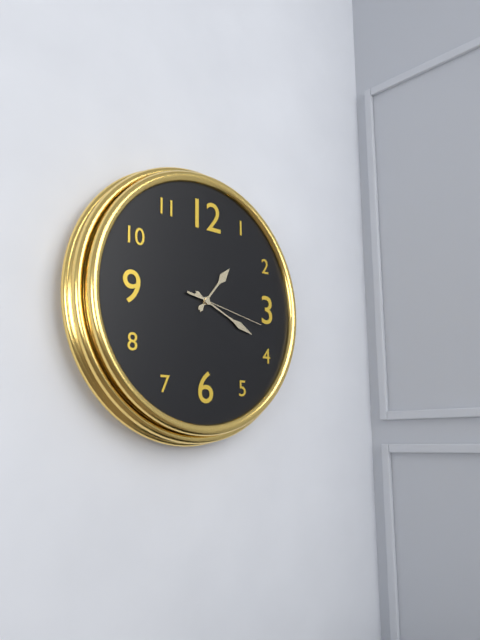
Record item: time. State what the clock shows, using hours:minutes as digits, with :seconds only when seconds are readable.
1:19:17
